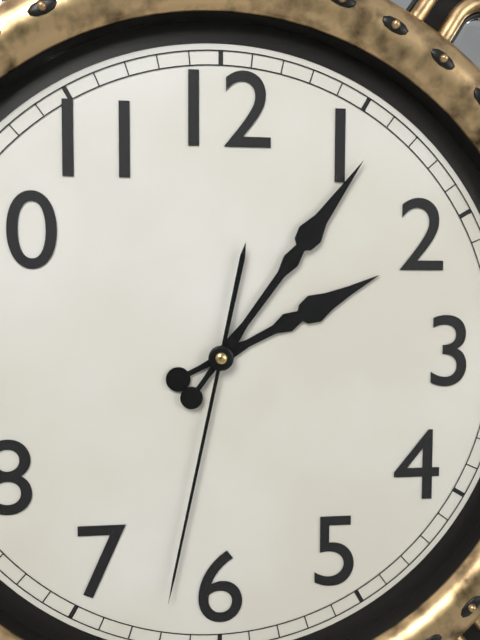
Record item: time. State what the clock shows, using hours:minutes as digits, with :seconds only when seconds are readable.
2:06:32
